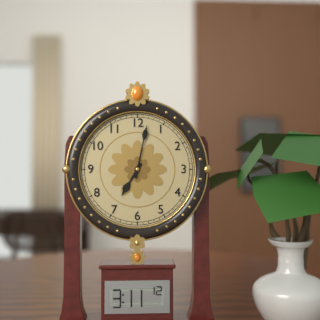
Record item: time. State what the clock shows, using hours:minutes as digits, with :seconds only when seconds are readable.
7:02
